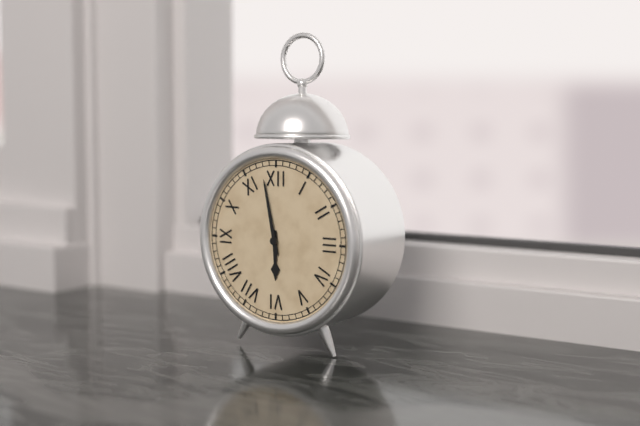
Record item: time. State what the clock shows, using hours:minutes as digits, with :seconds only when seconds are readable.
5:58
